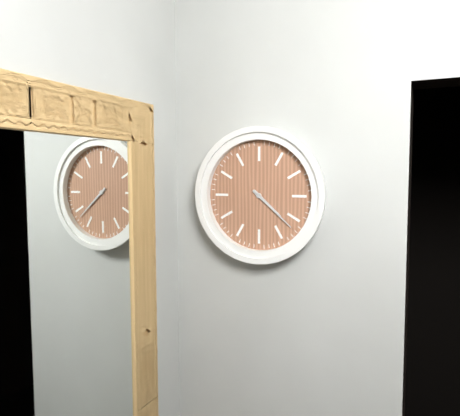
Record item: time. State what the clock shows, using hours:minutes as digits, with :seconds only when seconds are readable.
4:22
